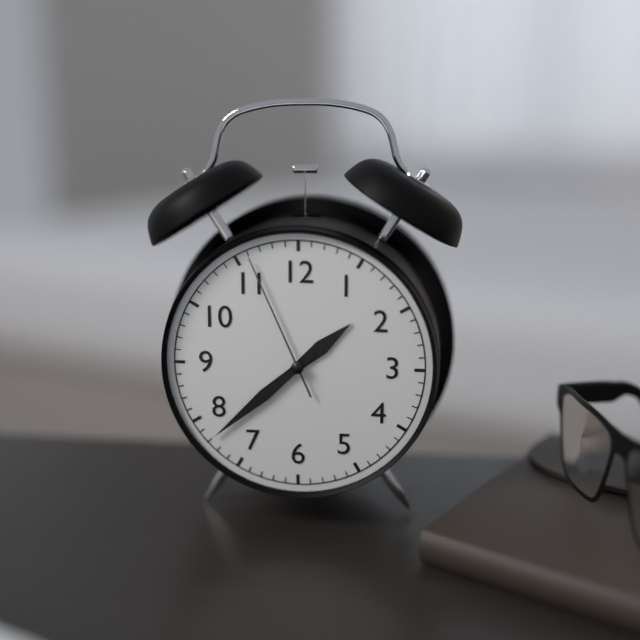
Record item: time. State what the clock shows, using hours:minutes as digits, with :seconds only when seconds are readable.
1:38:56
